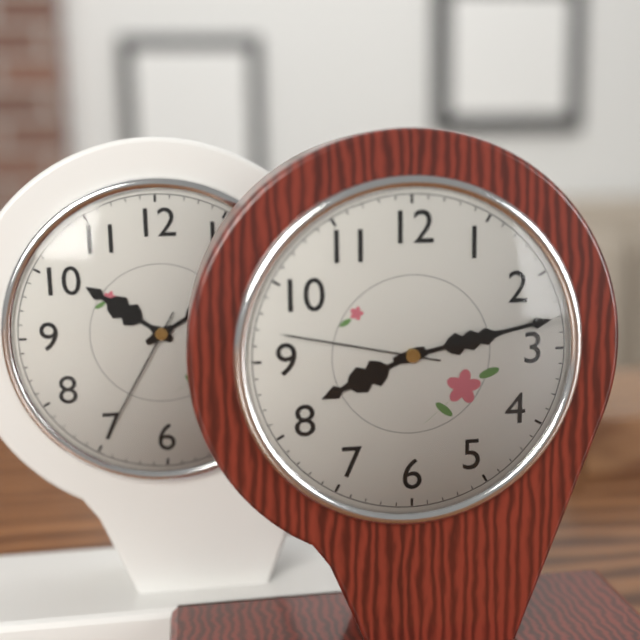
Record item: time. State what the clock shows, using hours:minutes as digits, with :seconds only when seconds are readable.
8:13:47
